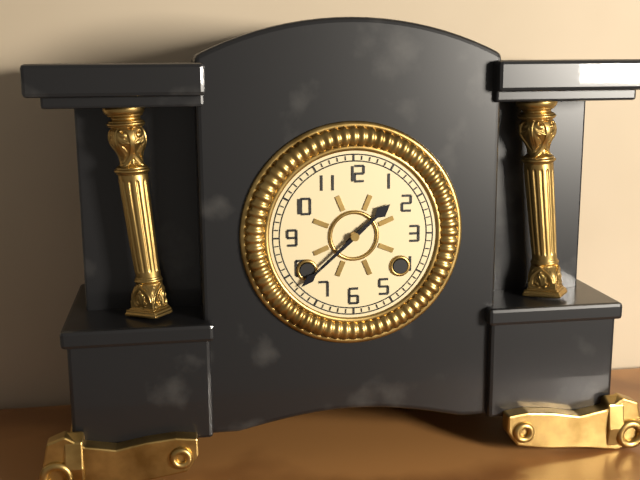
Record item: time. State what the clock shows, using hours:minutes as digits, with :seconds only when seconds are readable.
1:38
